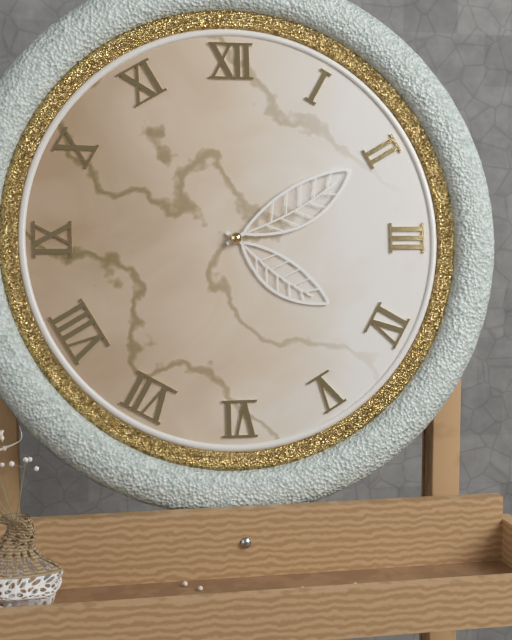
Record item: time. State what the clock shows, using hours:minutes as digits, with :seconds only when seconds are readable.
4:10
